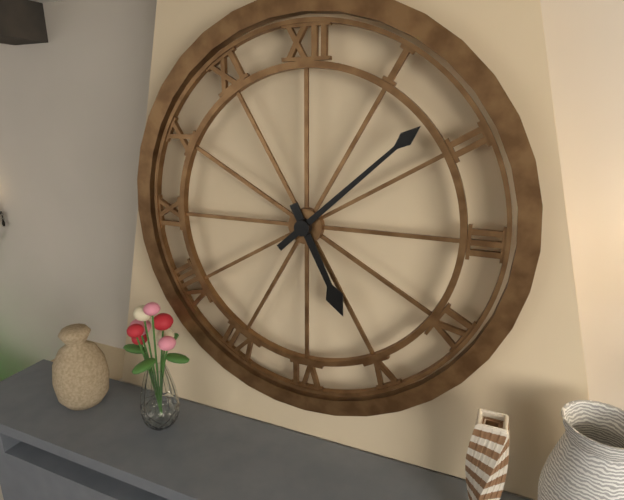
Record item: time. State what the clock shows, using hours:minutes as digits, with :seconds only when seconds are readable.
5:08
